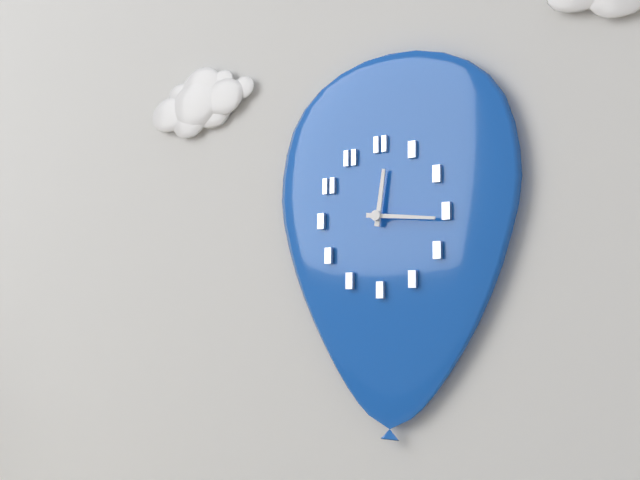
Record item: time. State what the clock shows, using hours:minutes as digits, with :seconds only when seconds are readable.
12:16
